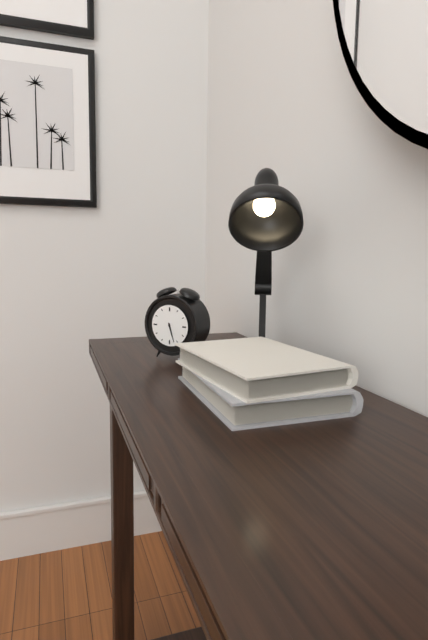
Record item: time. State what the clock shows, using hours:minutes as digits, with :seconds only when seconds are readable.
5:27
